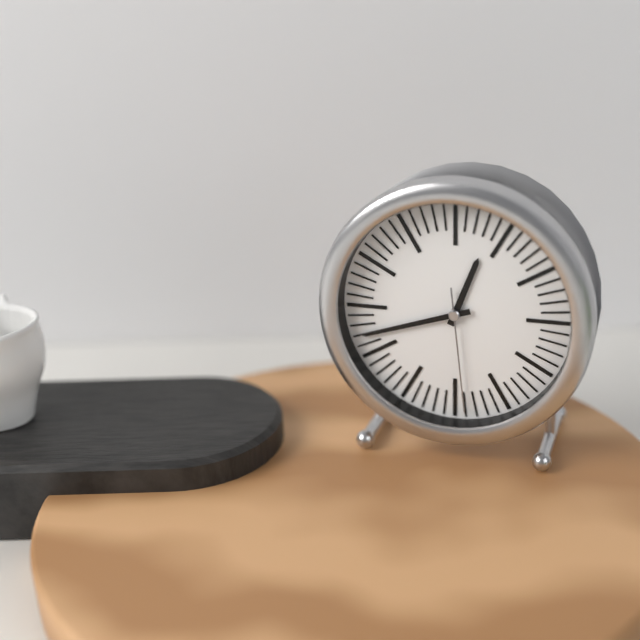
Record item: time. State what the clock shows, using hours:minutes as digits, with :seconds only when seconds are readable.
12:42:29
